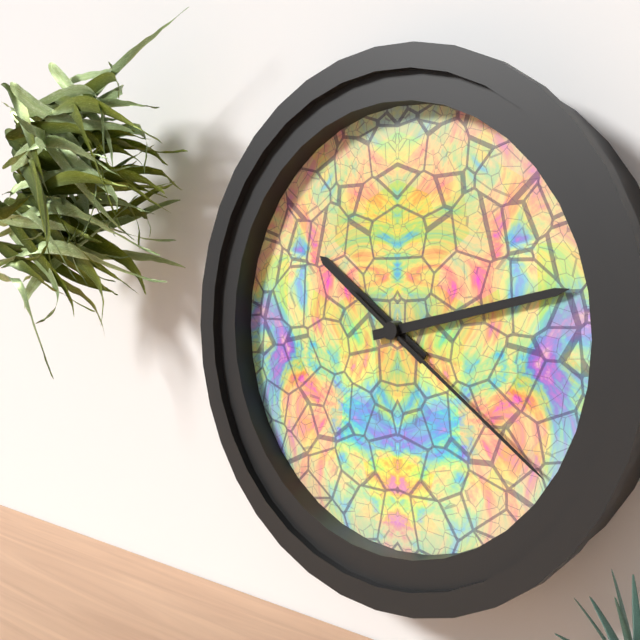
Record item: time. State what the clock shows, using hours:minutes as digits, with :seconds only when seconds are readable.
10:13:21
